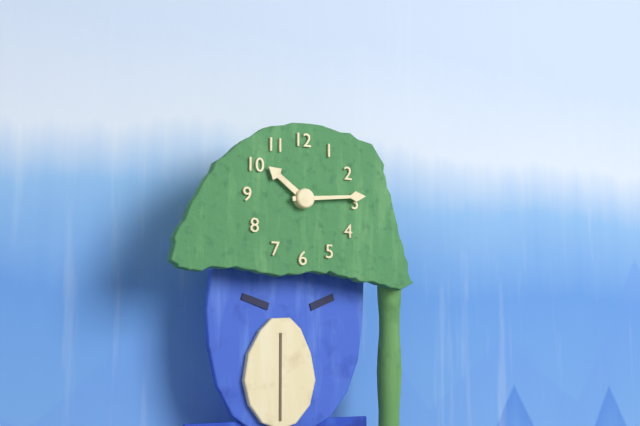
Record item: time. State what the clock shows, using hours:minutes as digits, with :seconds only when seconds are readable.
10:14
